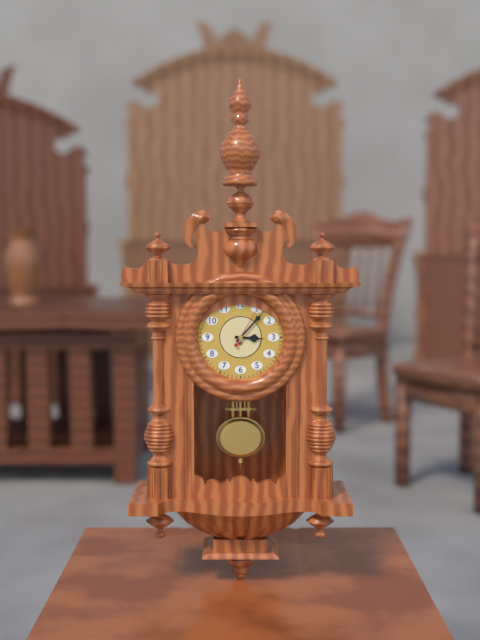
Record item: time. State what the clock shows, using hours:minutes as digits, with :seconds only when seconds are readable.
3:07
